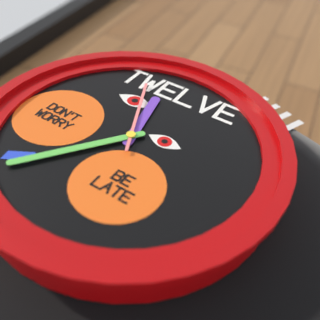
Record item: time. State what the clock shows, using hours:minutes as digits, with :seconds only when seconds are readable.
11:36:56
